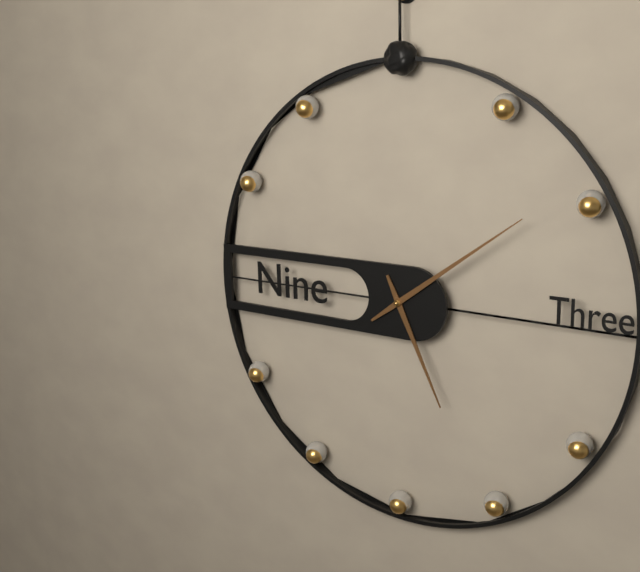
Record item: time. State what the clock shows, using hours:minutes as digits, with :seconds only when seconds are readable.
5:09
